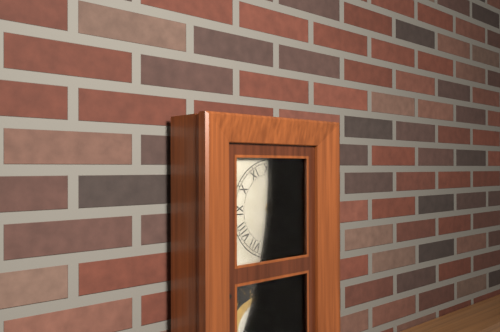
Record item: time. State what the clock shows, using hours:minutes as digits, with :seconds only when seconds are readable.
3:14
